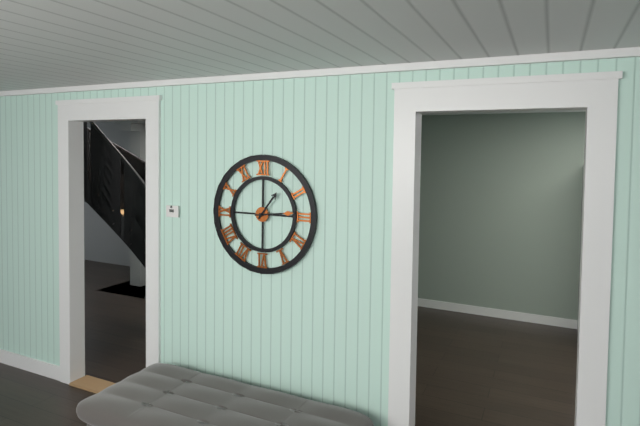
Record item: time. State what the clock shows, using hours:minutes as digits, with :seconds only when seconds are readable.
1:14
